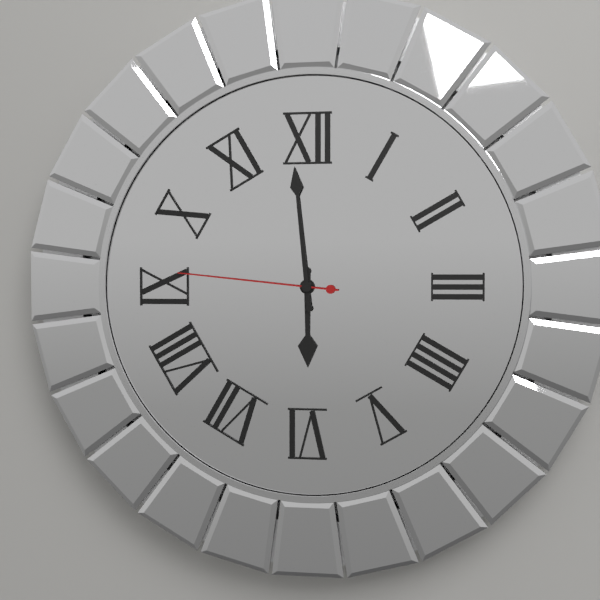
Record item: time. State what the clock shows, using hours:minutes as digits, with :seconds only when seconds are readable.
5:59:46
